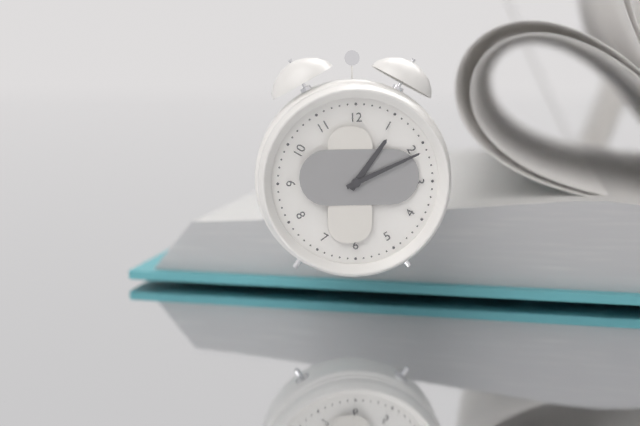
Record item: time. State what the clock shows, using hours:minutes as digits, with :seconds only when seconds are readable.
1:11
